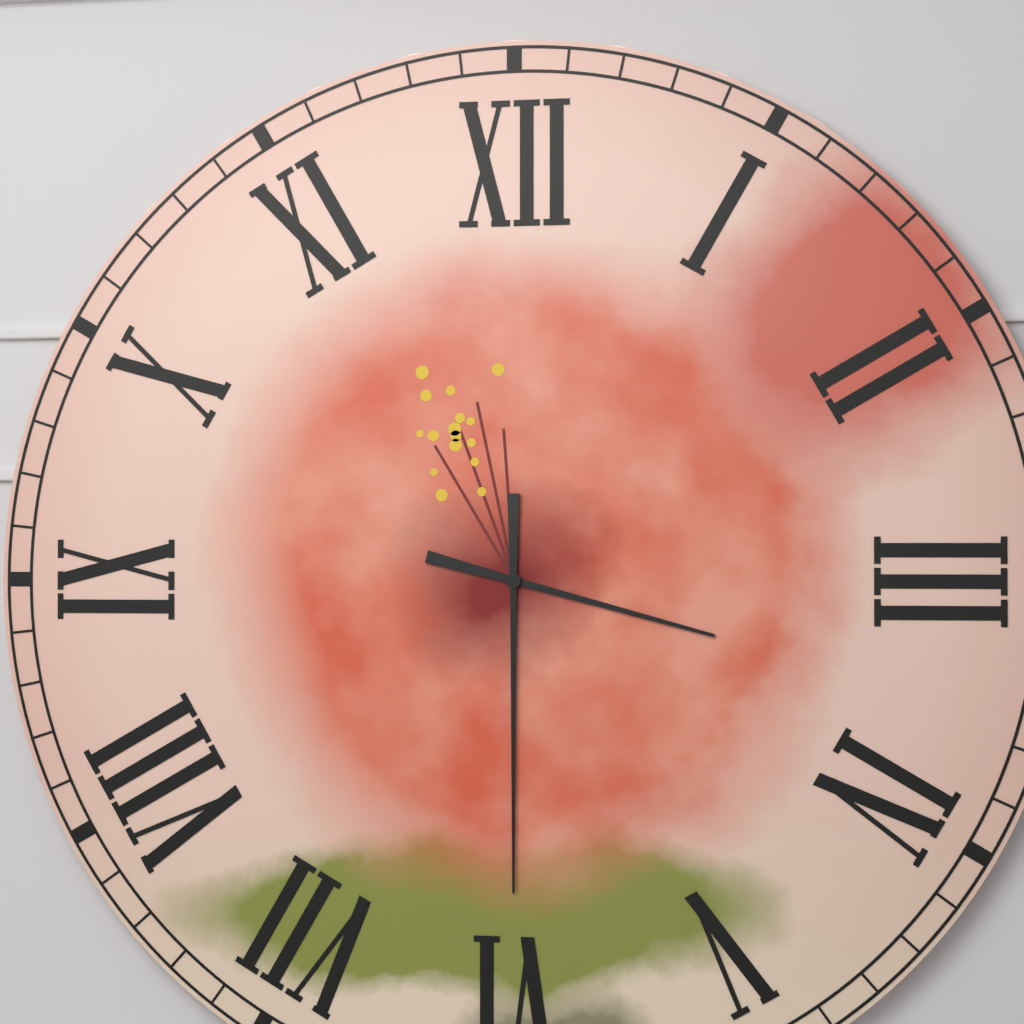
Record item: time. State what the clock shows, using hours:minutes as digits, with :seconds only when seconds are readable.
3:30
